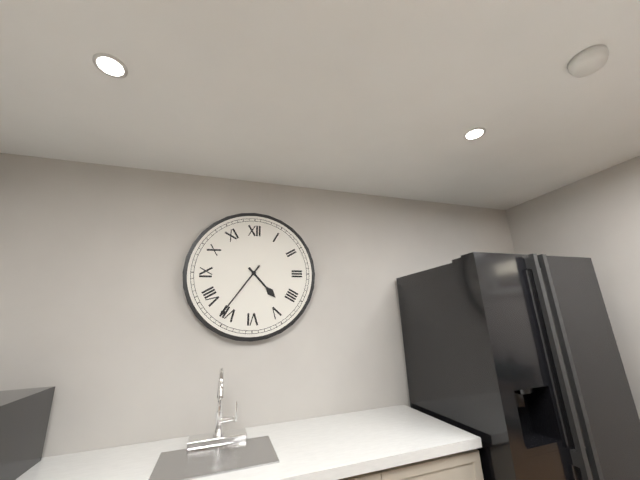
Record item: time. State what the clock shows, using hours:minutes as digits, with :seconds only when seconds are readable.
4:36
